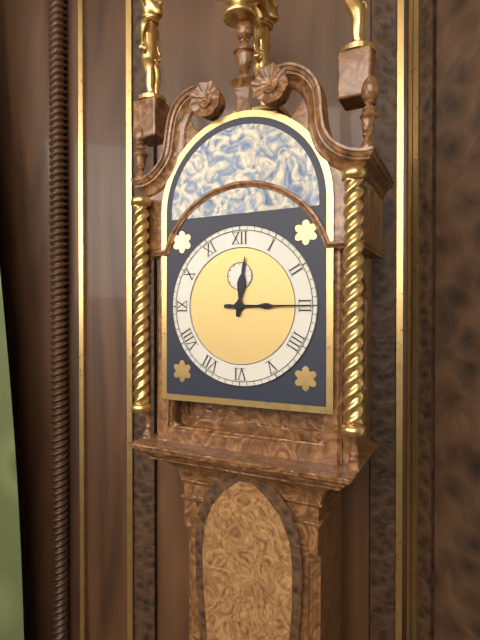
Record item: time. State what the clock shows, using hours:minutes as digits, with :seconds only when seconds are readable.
12:15
